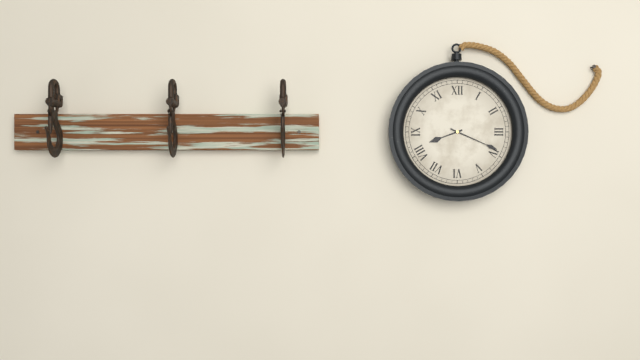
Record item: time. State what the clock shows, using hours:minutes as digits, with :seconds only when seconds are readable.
8:19
